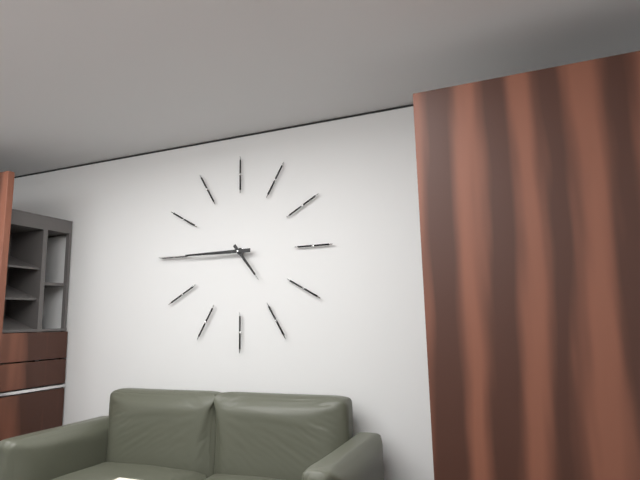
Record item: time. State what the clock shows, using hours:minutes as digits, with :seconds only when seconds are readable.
4:45
